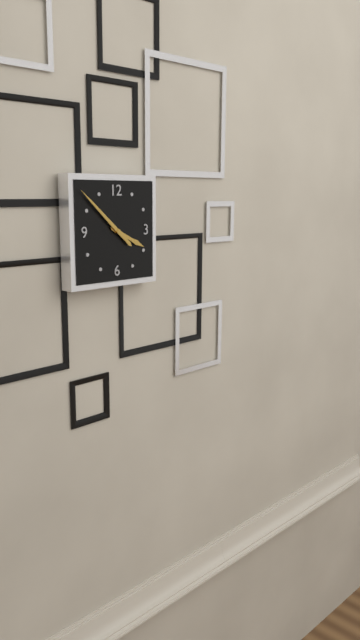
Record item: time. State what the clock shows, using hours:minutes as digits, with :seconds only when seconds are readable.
3:52
